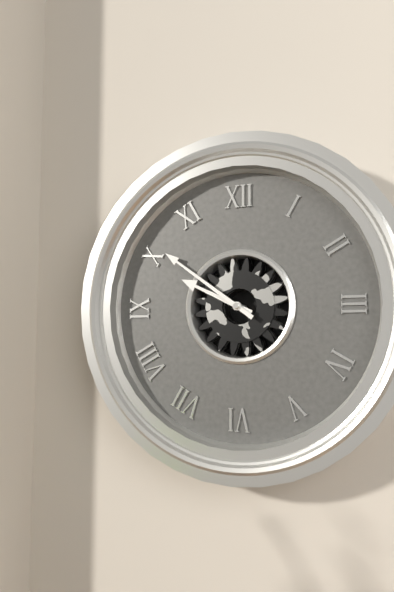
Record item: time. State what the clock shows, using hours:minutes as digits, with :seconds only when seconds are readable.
9:51
